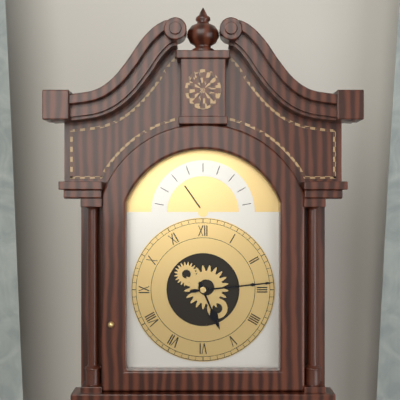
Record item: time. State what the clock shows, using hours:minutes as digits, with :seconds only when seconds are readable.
5:14
